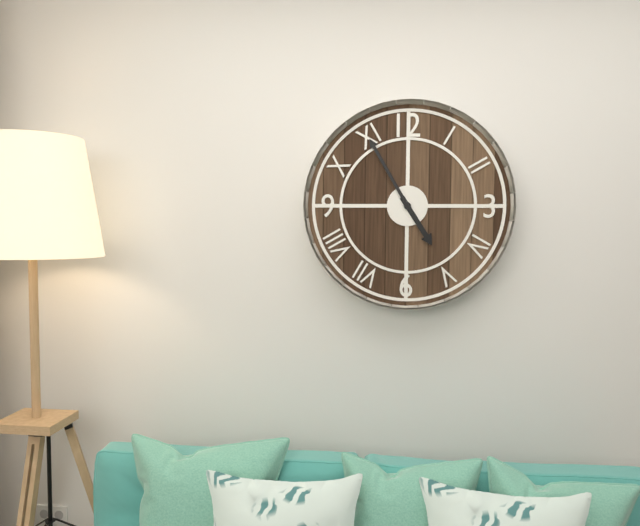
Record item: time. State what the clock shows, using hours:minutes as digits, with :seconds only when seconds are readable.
4:55
